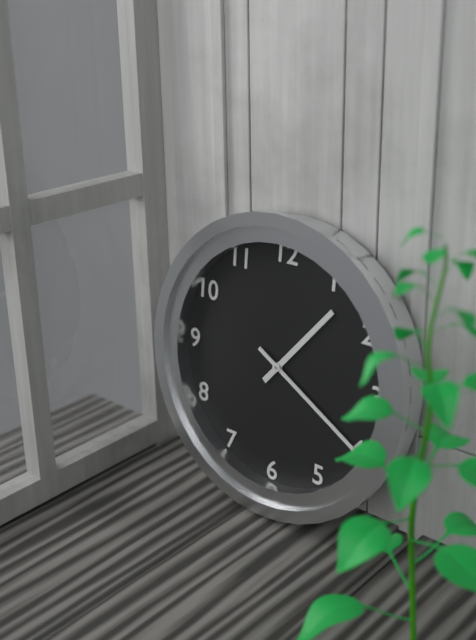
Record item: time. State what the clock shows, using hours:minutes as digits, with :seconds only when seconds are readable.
1:20
